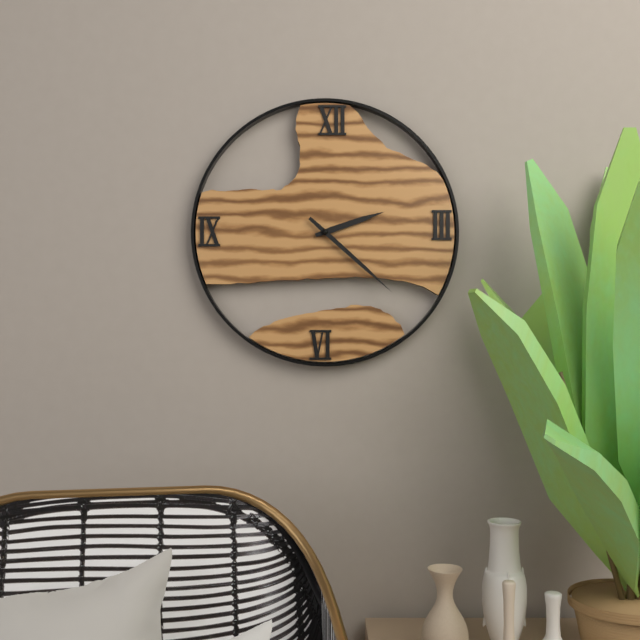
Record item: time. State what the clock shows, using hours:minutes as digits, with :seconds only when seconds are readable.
2:22
